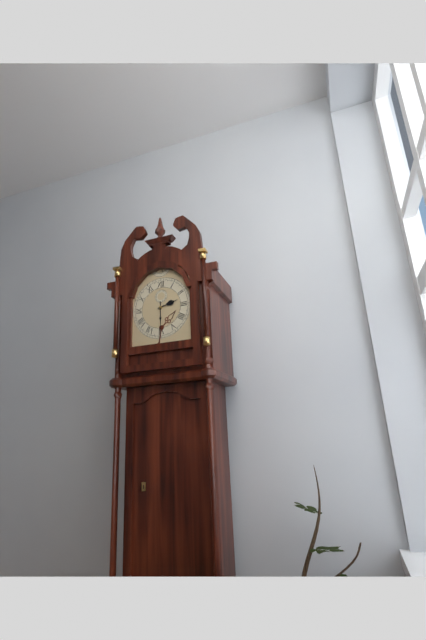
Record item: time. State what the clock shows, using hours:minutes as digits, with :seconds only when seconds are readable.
2:30
